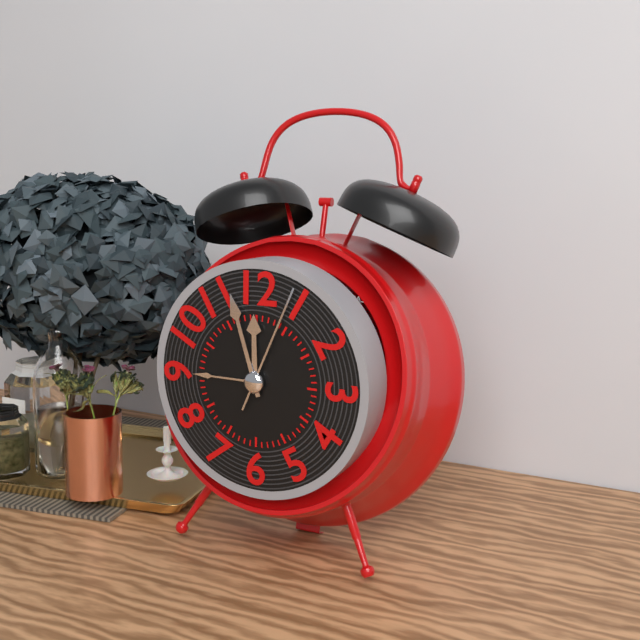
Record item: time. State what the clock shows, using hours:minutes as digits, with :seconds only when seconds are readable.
11:57:04
